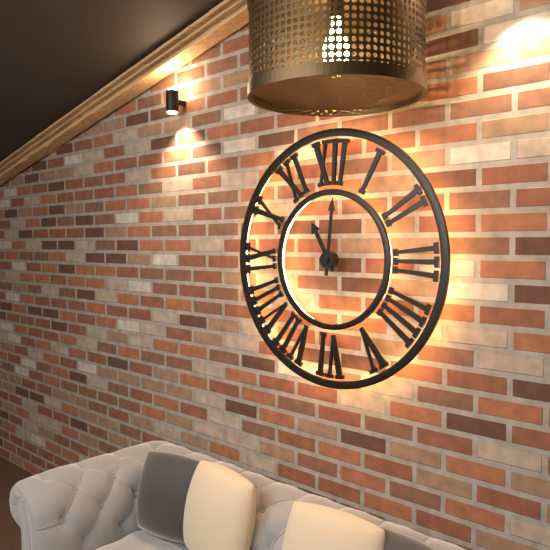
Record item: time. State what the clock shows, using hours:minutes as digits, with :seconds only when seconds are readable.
11:01
